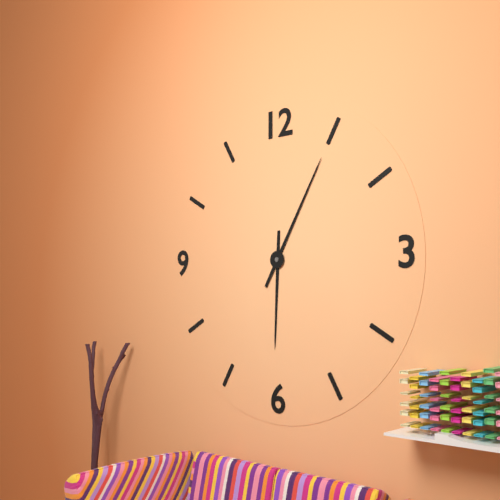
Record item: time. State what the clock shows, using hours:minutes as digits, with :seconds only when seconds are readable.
6:05
